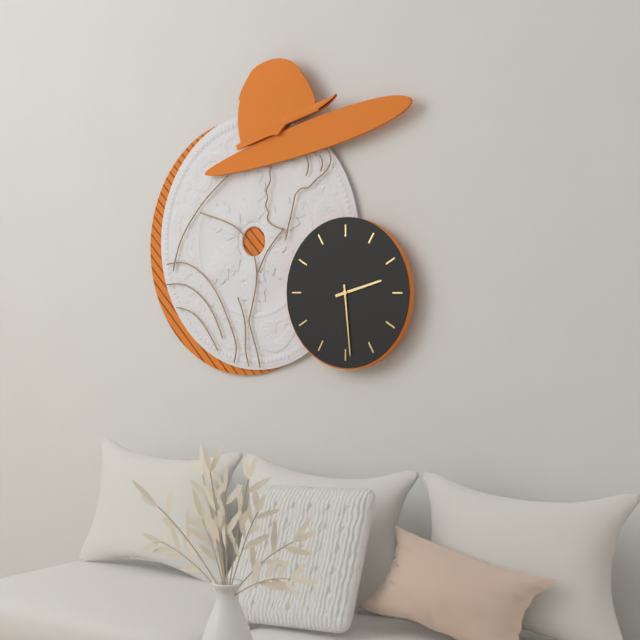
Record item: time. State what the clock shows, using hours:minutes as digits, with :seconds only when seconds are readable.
2:29
